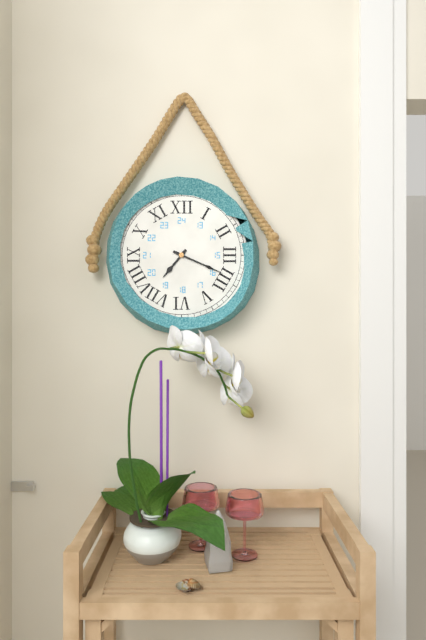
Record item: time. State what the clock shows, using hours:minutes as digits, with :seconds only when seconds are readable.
7:19
